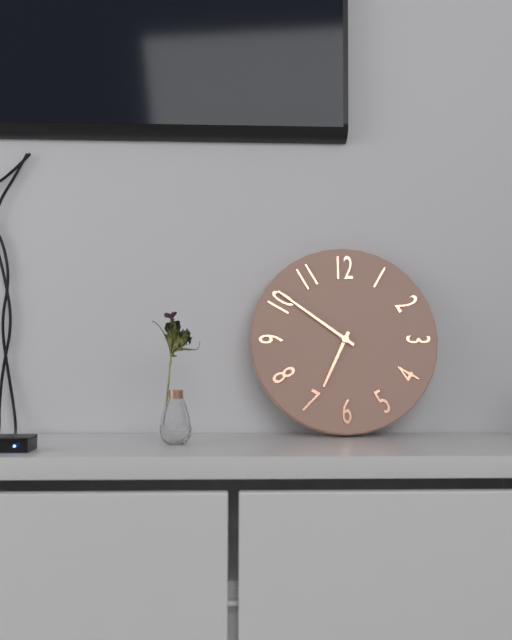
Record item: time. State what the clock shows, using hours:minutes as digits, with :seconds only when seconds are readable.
6:51
